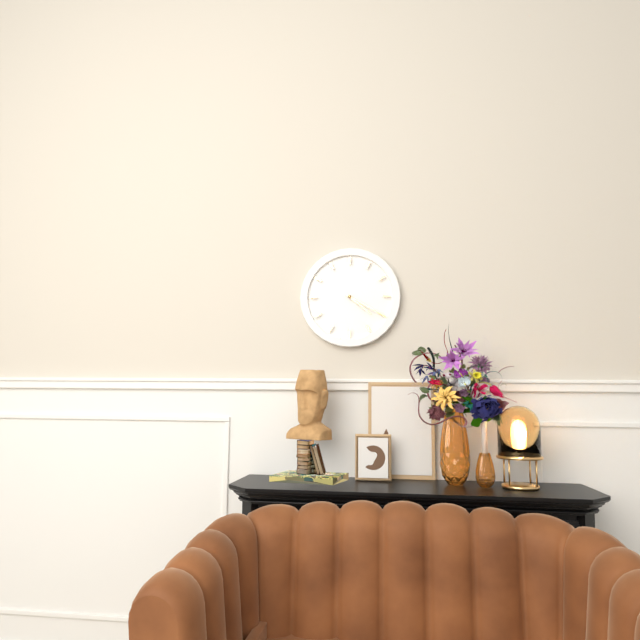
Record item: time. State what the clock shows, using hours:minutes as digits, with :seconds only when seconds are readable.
4:20
